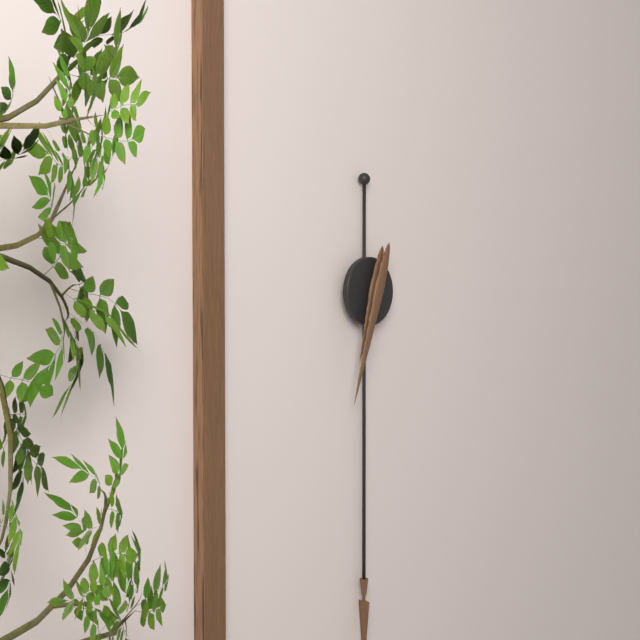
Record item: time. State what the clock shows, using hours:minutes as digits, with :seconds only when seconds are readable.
6:33
